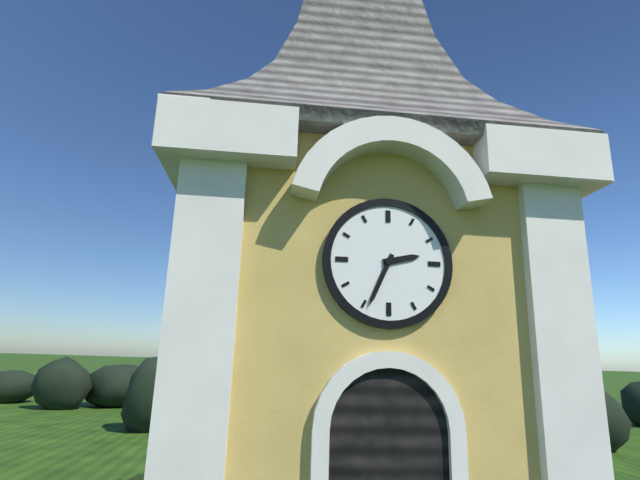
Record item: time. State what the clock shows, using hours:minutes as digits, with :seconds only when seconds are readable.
2:34
